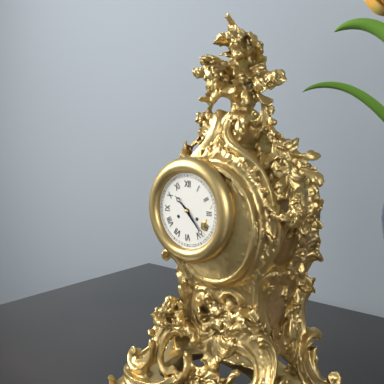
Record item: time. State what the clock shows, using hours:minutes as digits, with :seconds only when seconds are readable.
10:23
